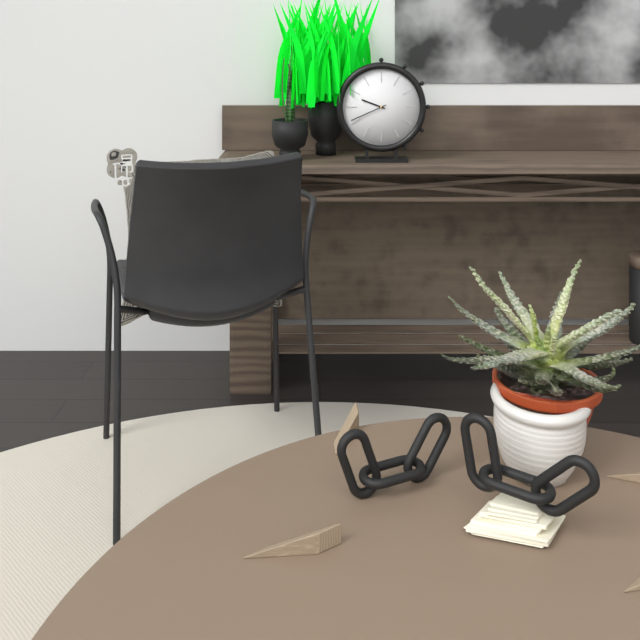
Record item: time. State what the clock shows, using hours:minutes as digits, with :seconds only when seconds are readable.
9:41
